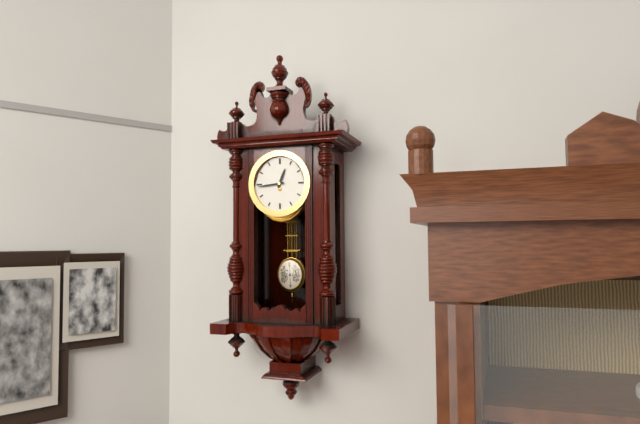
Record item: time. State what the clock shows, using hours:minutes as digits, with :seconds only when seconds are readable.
12:44
